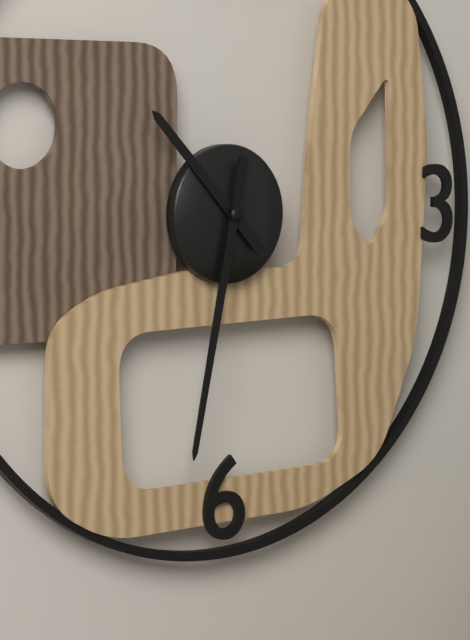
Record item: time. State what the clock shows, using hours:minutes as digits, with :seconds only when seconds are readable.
10:32
